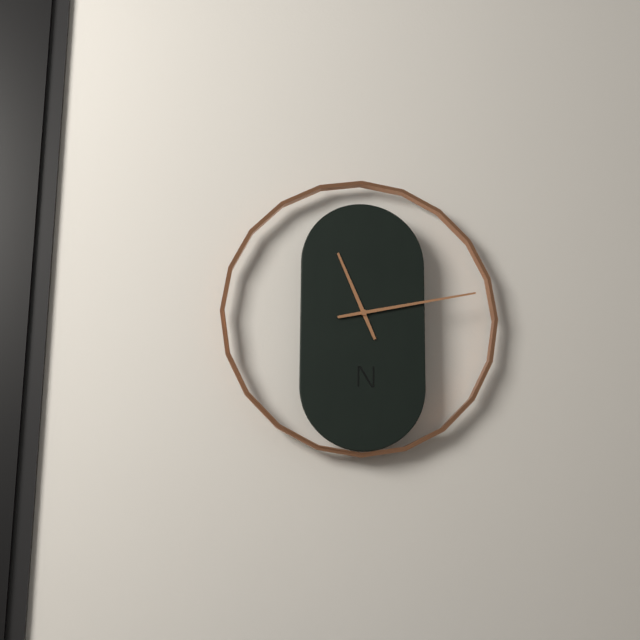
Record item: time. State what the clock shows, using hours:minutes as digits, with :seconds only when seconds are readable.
11:13
